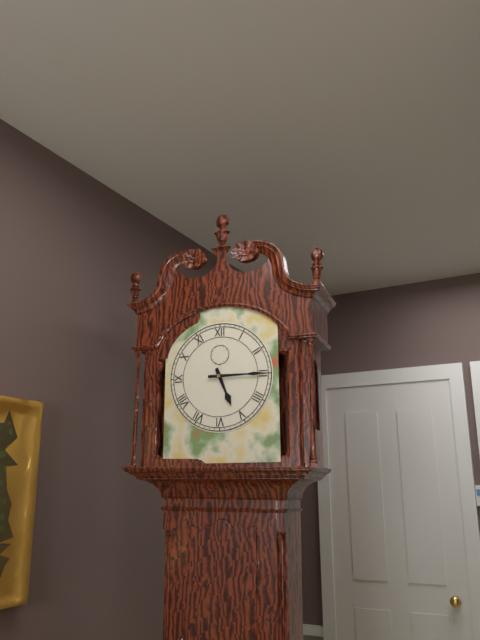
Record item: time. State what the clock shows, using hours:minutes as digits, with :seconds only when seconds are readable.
5:15
